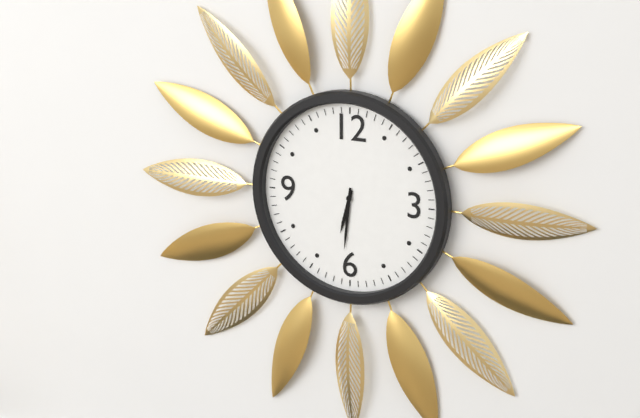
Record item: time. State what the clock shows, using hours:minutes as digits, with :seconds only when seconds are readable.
6:31
